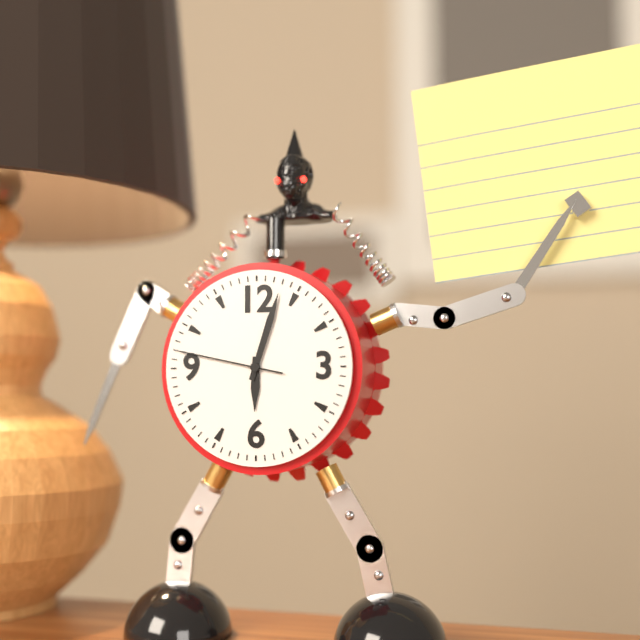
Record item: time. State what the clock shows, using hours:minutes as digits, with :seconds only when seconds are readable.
6:03:47
